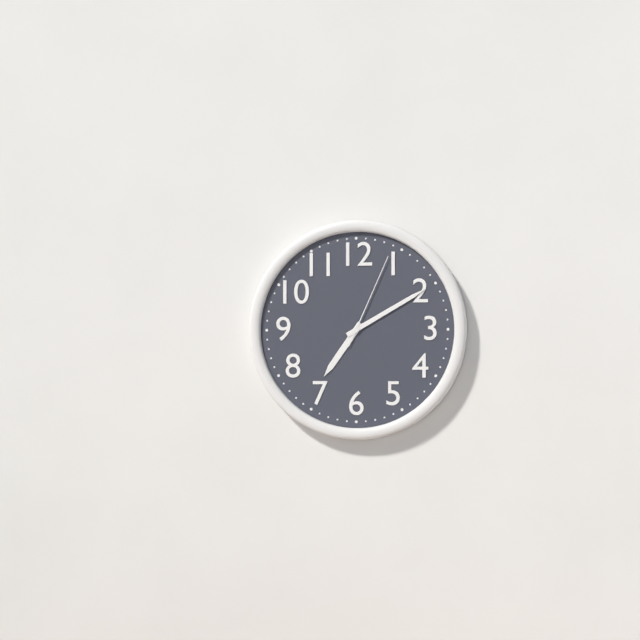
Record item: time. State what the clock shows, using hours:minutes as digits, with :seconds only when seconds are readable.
7:10:04
